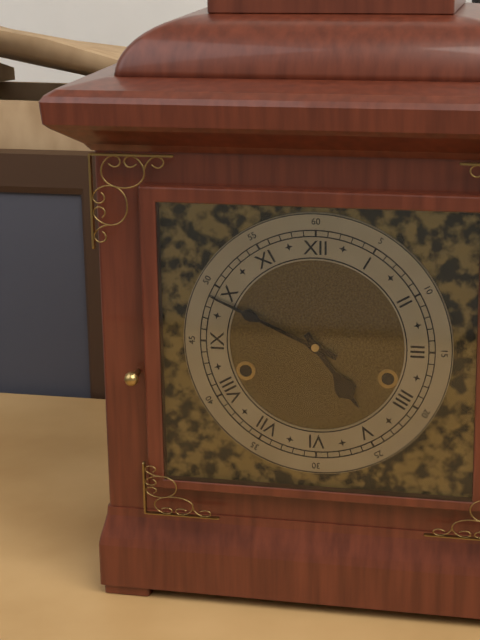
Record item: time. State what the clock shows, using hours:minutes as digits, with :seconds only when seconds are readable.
4:49
